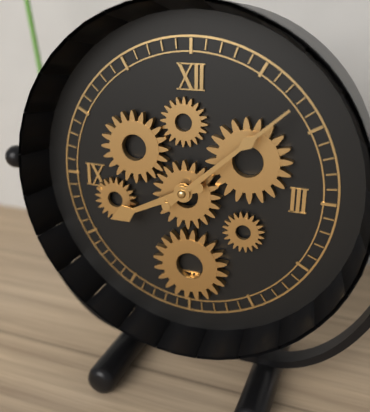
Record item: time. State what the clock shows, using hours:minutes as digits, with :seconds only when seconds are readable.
8:08
